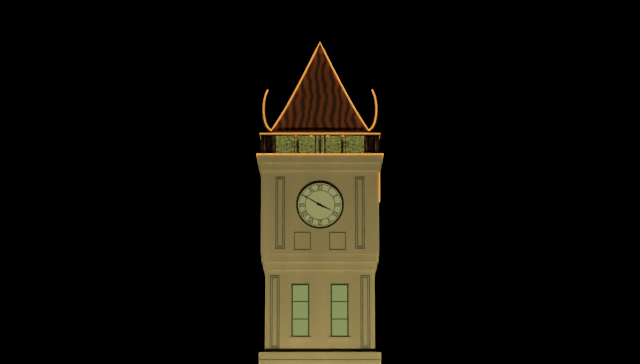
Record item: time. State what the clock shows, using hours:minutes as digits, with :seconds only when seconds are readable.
3:50
